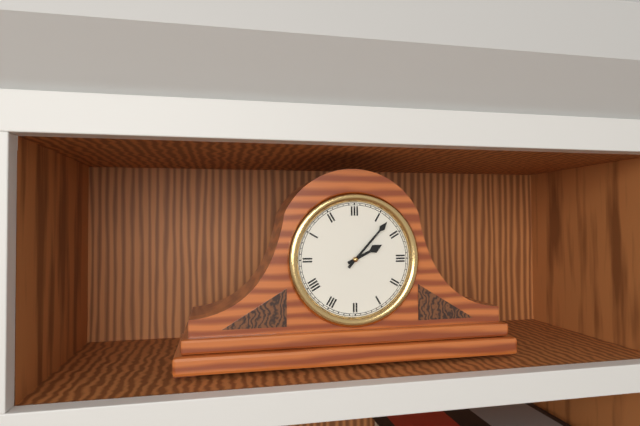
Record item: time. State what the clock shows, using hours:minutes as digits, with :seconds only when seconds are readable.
2:07
